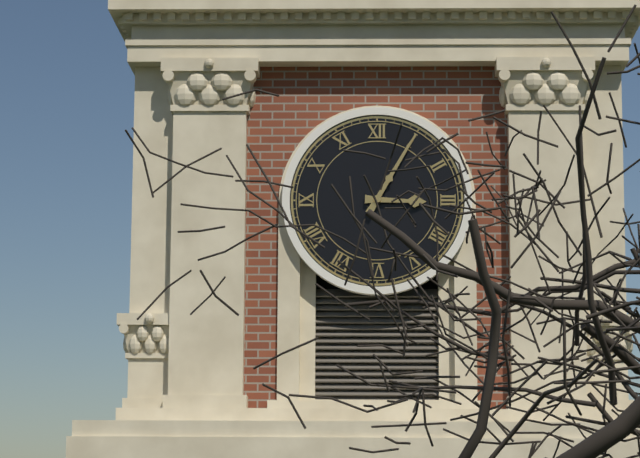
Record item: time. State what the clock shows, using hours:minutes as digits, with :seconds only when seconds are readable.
3:05
